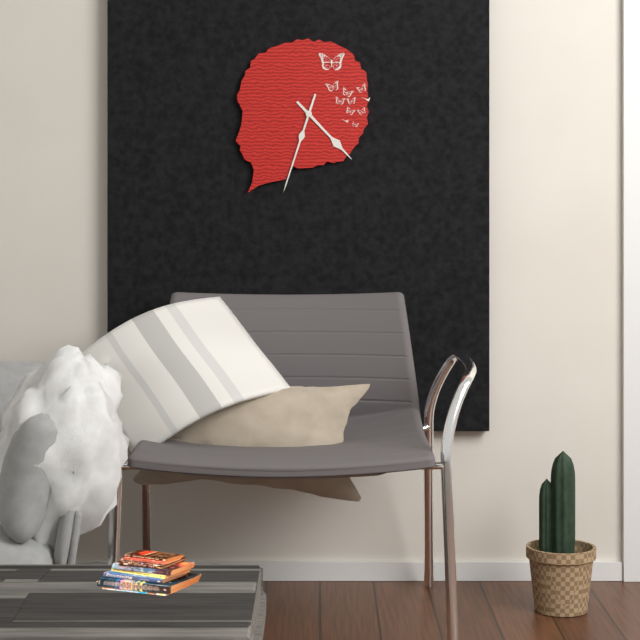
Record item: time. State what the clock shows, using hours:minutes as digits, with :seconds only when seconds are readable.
4:33
